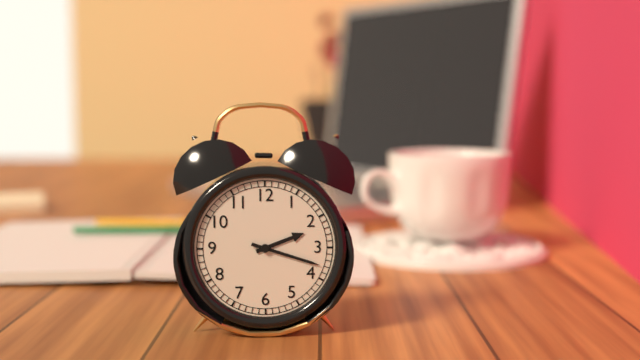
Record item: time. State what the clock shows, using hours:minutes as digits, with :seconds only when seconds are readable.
2:18
